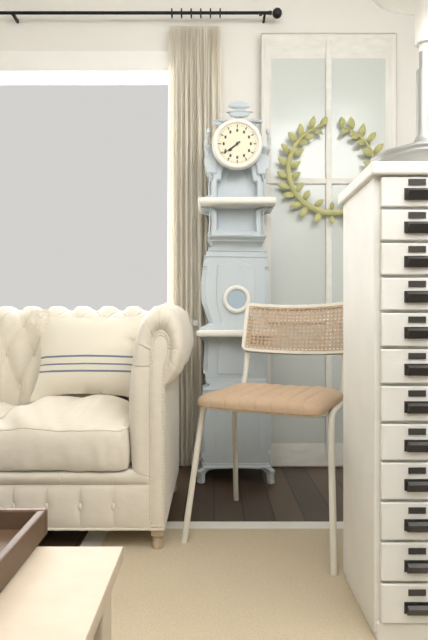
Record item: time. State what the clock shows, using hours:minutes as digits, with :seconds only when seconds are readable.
7:39
